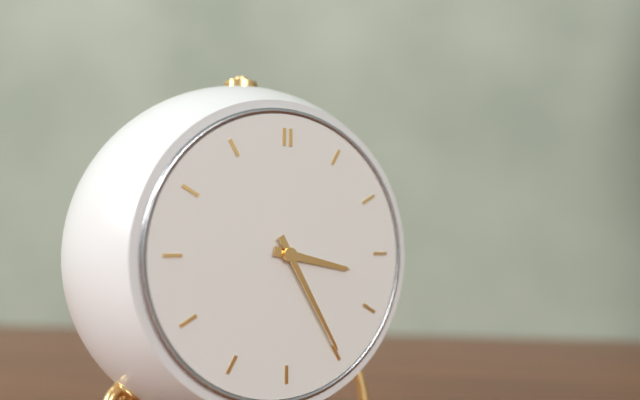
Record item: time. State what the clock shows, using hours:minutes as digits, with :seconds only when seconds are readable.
3:25
